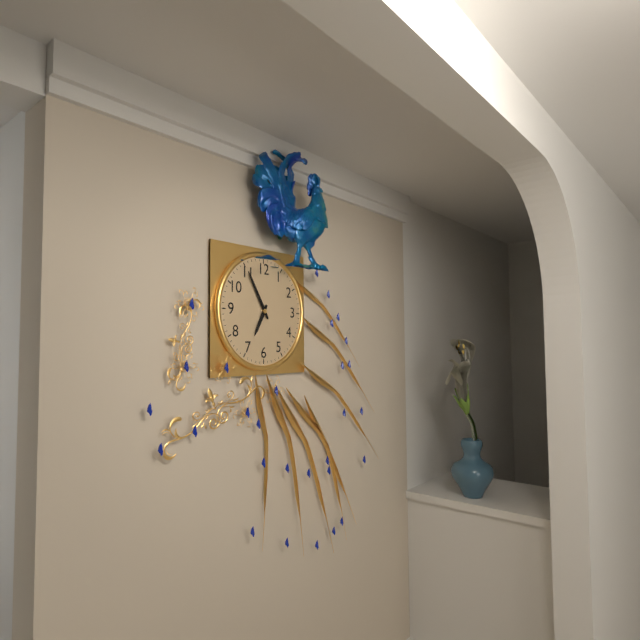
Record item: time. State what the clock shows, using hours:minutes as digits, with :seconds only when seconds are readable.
6:55
